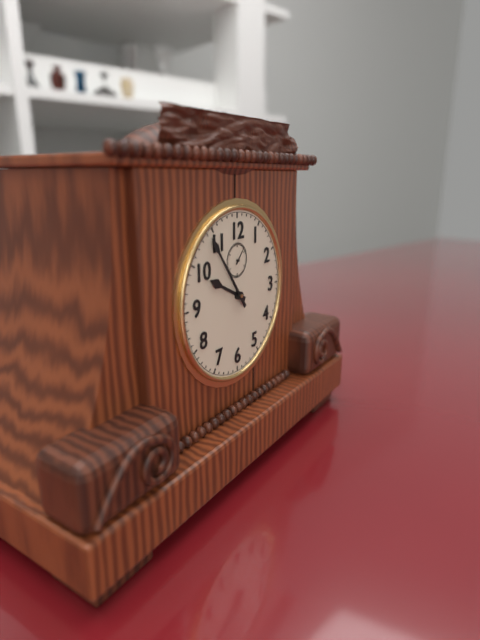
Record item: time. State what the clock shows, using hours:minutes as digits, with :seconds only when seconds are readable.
9:54
